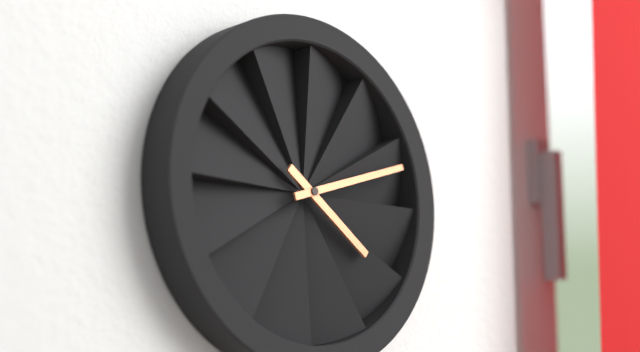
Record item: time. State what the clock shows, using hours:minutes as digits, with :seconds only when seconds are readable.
4:12
